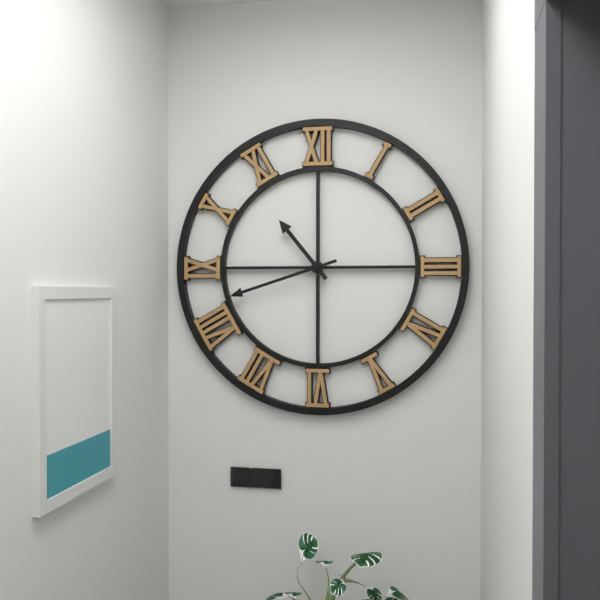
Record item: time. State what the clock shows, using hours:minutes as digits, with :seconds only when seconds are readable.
10:42
